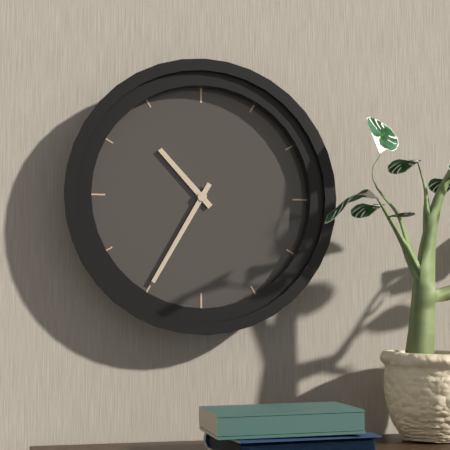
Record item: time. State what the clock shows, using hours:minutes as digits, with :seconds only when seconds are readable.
10:35
